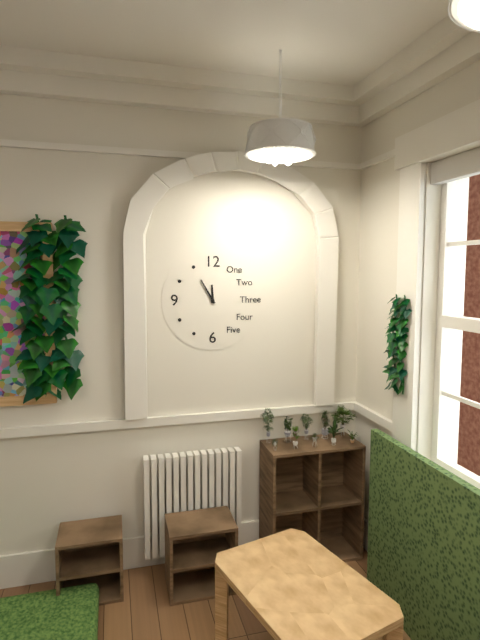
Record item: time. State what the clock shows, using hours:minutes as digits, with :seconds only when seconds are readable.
11:55
